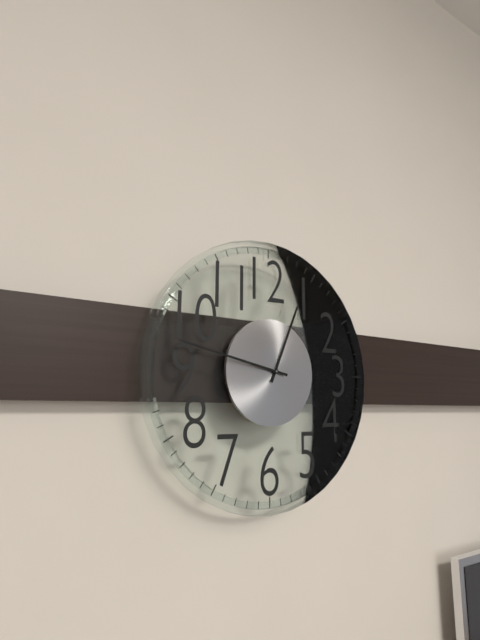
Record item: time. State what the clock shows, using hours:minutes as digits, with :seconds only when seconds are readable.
12:47
